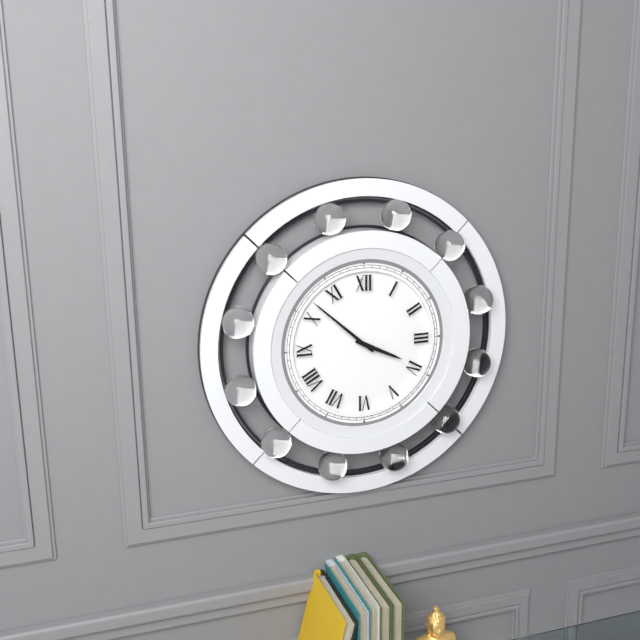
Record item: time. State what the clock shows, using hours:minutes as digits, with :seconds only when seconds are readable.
3:52
